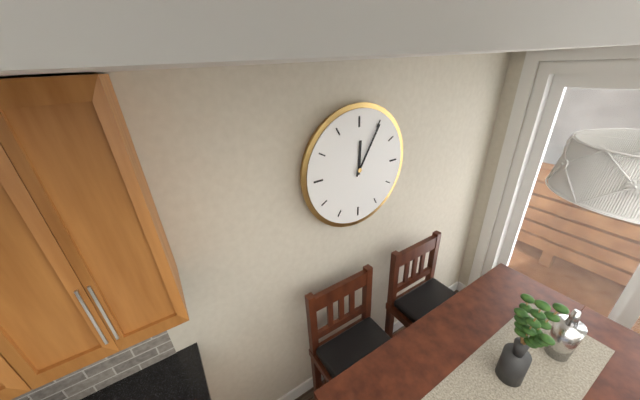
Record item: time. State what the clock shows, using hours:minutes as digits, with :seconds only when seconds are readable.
12:05
